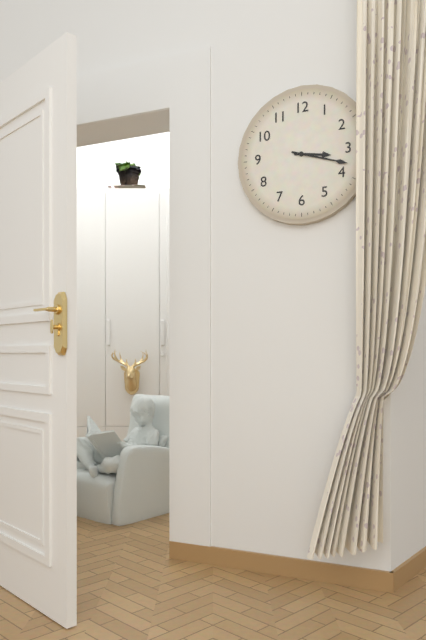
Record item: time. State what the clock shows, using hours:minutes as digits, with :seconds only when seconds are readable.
3:18
